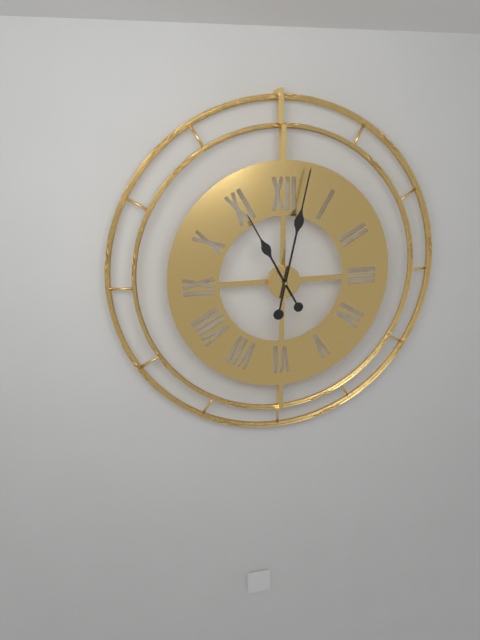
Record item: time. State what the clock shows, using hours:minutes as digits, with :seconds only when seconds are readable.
11:02
